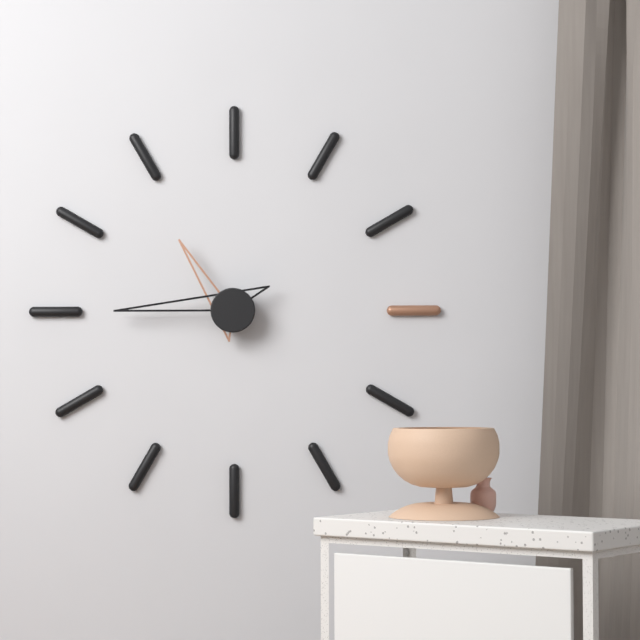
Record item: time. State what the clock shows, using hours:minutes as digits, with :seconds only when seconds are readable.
10:45
